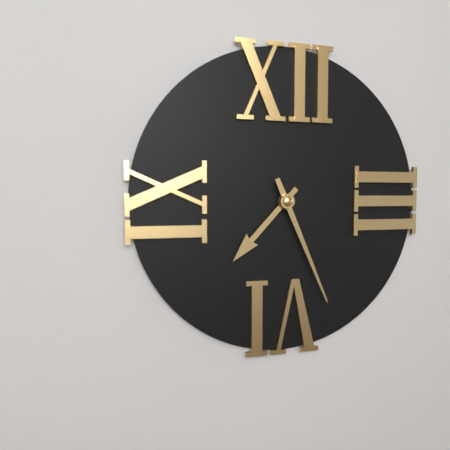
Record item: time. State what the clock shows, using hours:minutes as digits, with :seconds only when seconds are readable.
7:26
